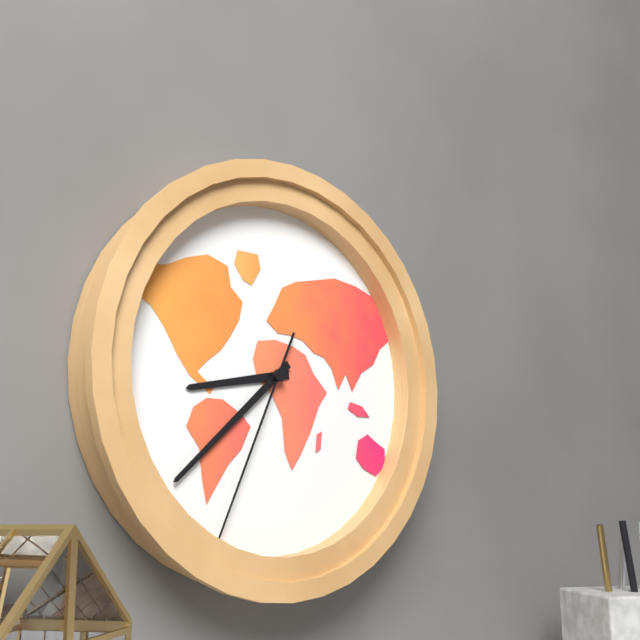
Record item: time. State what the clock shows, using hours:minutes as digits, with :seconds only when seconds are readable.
8:38:34
